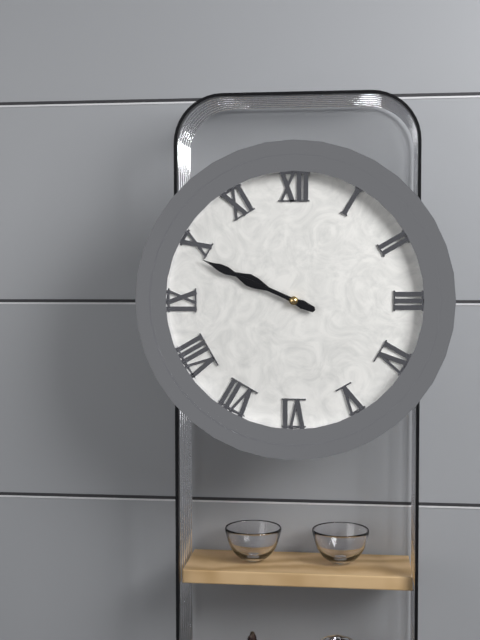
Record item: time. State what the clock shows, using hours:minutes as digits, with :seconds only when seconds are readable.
9:49
